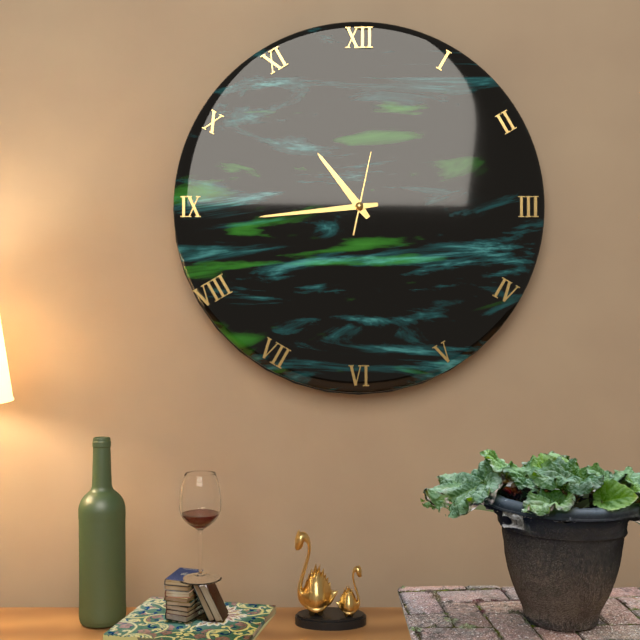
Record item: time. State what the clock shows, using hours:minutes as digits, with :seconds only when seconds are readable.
10:44:02
